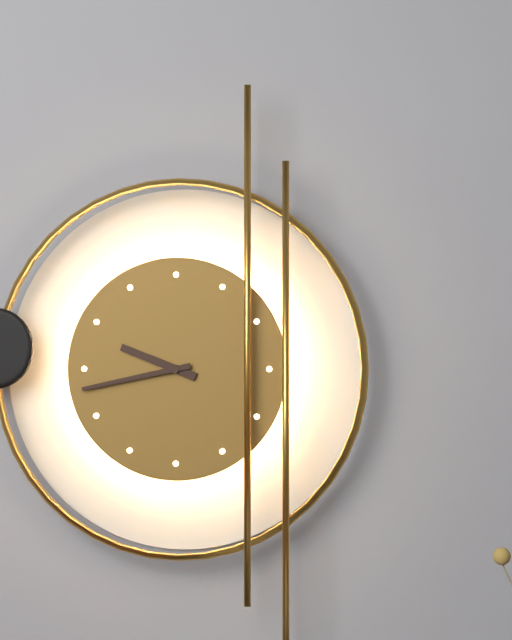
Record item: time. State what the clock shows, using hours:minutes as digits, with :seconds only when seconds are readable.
9:43
